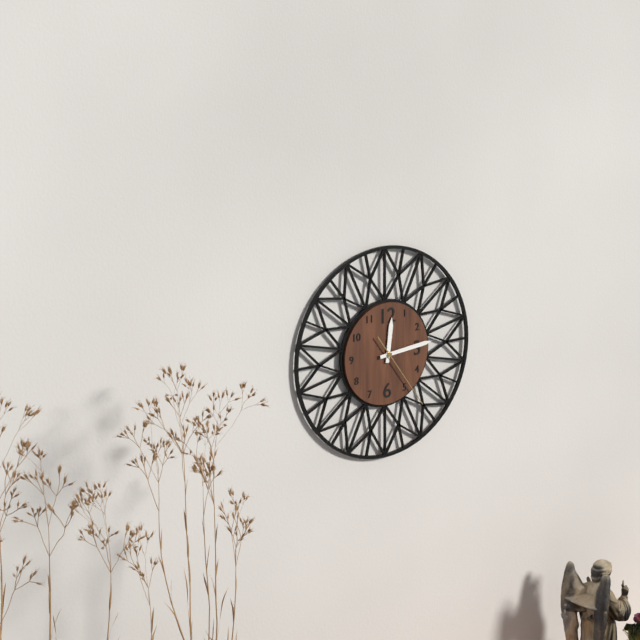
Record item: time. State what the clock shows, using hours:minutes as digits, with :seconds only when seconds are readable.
12:14:24
